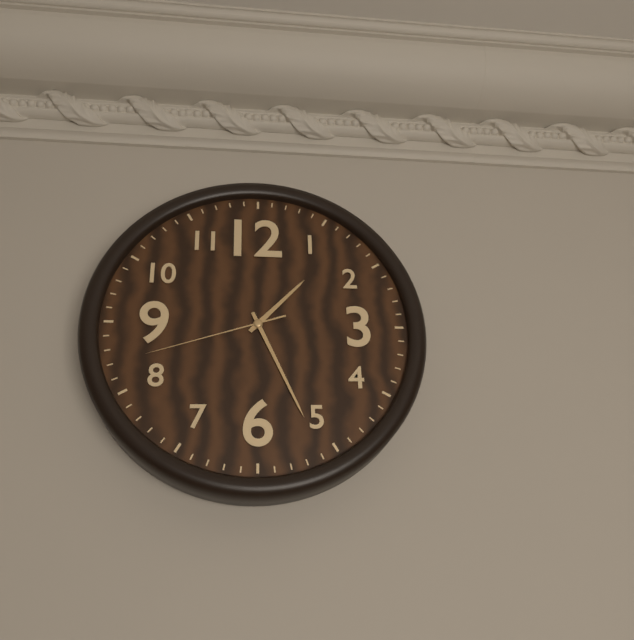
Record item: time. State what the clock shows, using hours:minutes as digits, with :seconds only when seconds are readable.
1:26:42
